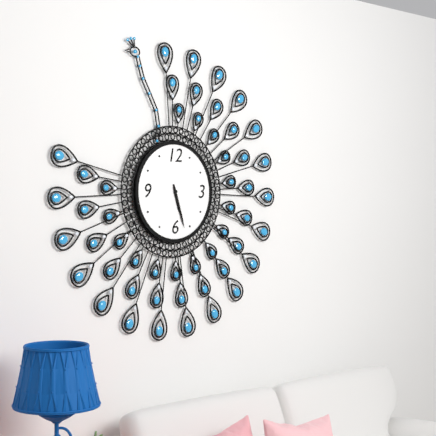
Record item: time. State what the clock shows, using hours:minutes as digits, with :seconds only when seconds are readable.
5:27
